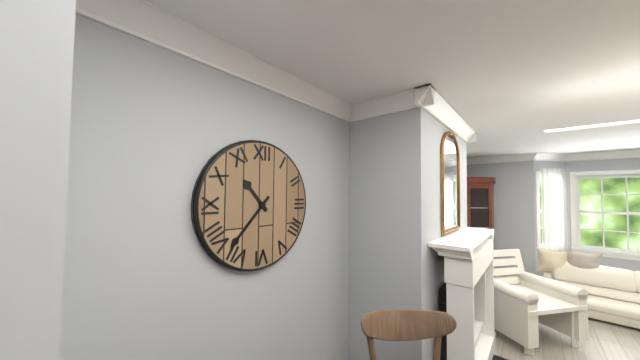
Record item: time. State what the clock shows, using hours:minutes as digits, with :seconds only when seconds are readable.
10:37
